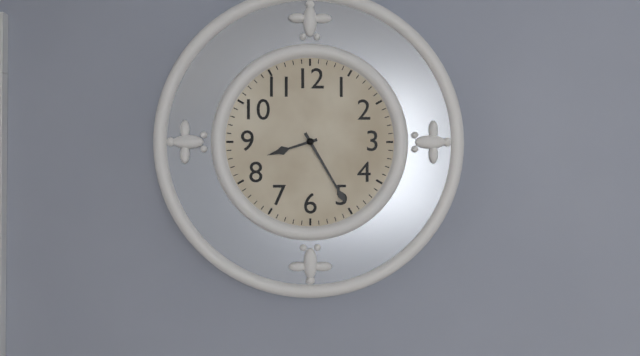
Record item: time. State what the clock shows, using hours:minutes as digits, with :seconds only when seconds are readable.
8:25
